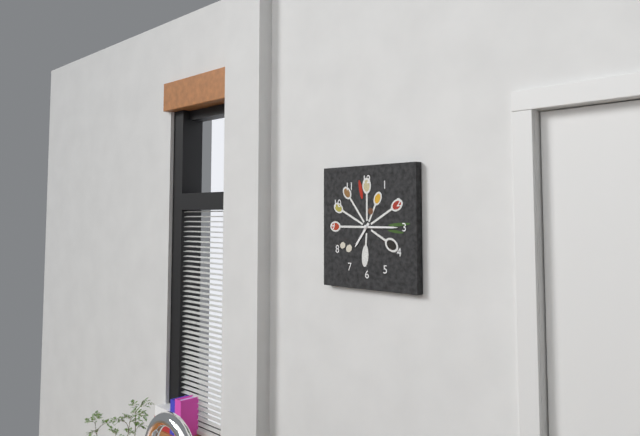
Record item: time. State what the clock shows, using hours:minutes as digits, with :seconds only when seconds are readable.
7:15
